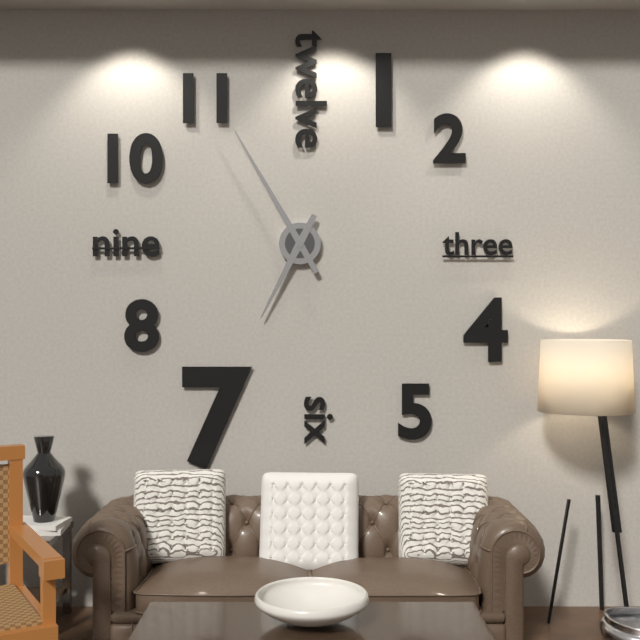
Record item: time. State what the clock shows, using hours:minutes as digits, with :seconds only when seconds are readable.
6:55
